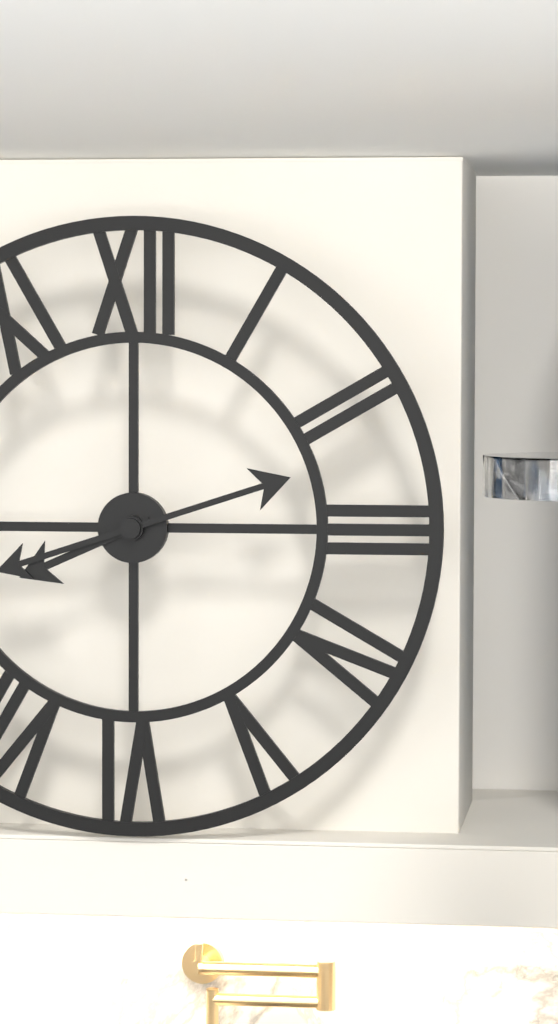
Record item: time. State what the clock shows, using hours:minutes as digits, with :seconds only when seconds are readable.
8:12
